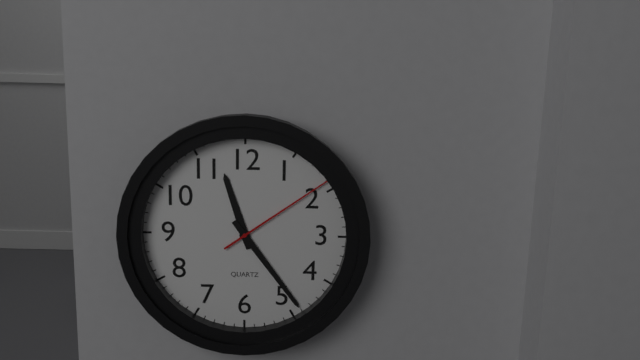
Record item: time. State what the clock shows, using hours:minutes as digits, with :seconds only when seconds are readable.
11:24:09
